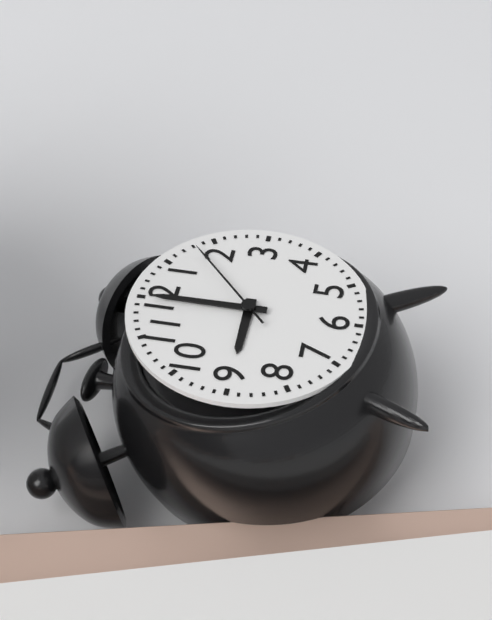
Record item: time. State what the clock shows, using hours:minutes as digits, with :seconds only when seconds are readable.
9:00:08
